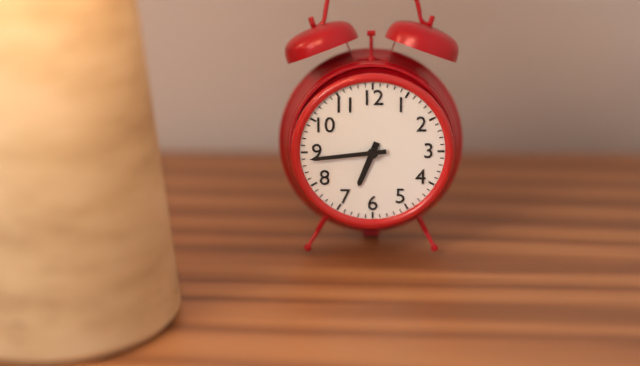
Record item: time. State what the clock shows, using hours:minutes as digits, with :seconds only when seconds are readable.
6:44
